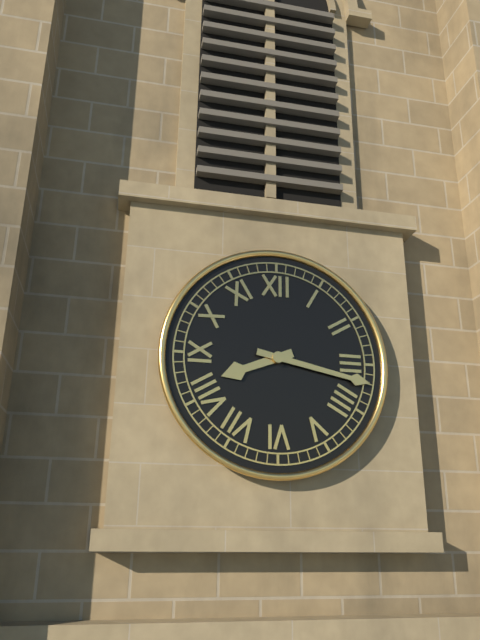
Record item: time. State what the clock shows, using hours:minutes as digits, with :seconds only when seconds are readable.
8:17
